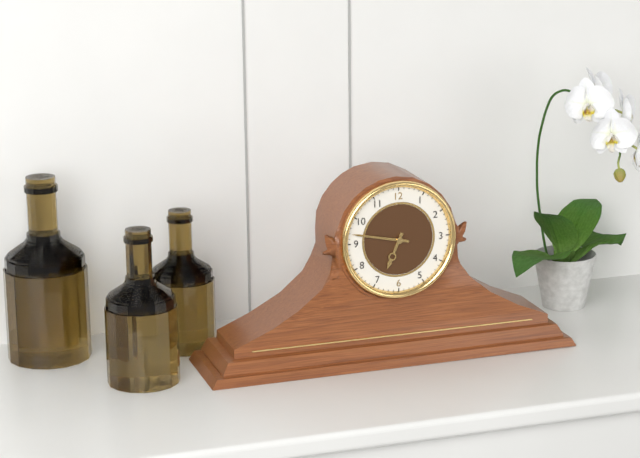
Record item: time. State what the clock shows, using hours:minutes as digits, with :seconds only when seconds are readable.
6:47
